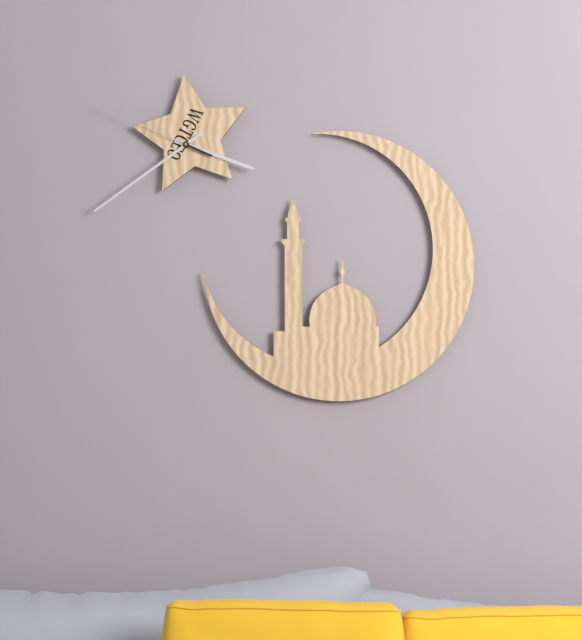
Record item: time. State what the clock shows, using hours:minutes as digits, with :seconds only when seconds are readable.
3:39:49
